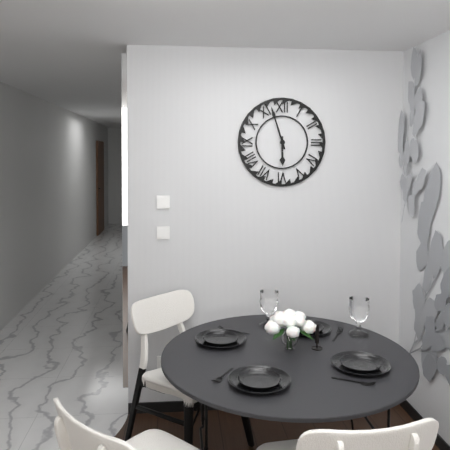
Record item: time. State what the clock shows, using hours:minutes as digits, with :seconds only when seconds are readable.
5:57
